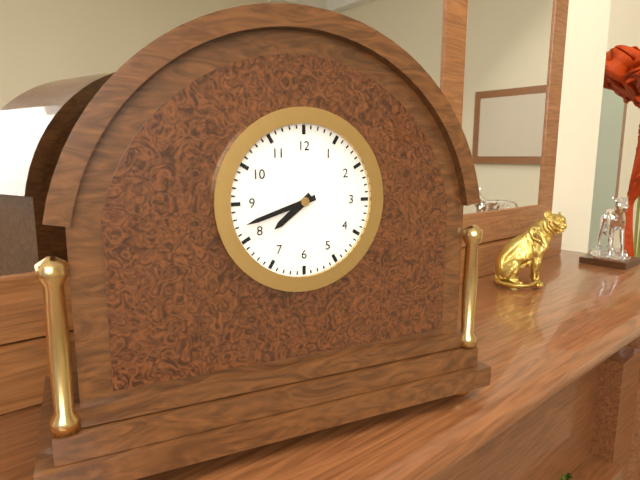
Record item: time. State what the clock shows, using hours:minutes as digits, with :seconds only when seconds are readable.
7:42
